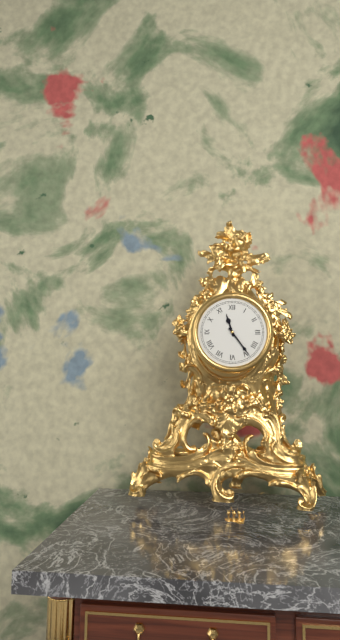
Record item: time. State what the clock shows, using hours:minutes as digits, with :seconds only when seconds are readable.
11:24
